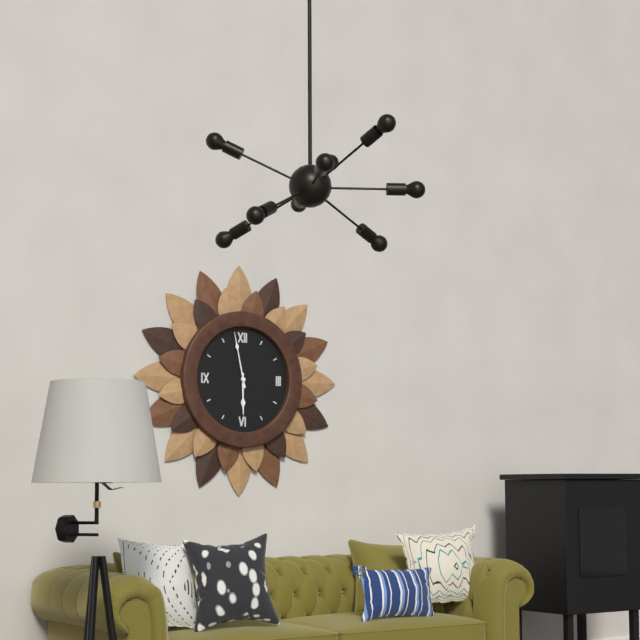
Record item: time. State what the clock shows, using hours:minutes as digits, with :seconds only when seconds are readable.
5:58
